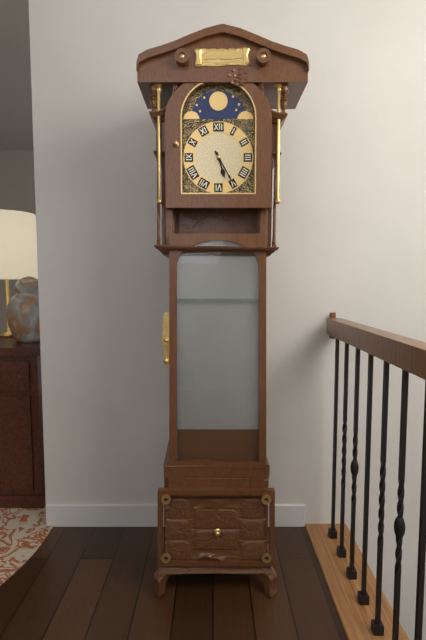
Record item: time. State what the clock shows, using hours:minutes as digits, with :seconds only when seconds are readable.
5:25
